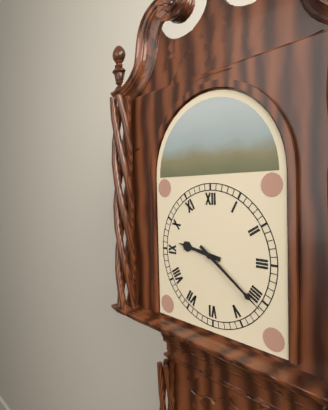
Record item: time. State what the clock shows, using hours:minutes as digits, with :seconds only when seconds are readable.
9:21
